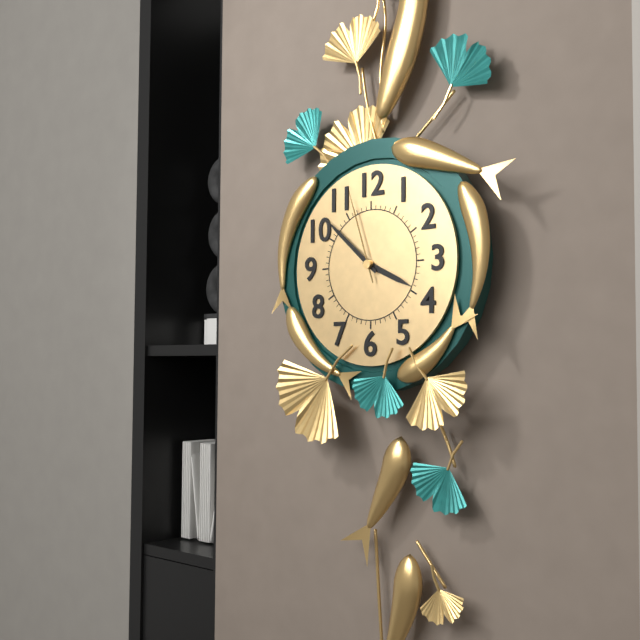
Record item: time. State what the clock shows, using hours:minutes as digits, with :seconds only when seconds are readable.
3:52:57
